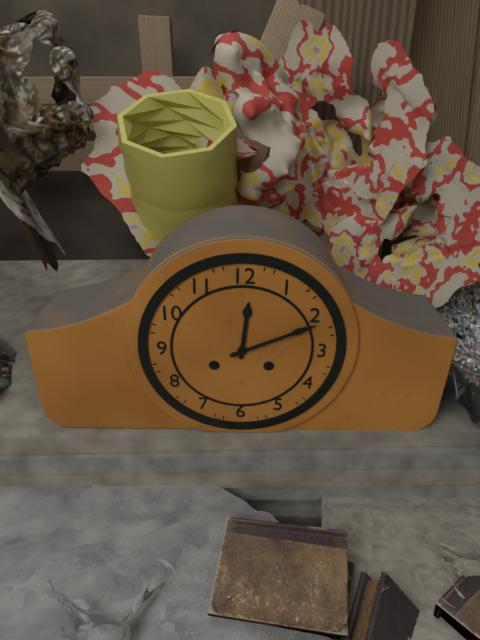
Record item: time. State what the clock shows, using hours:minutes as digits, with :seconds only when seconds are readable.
12:11
